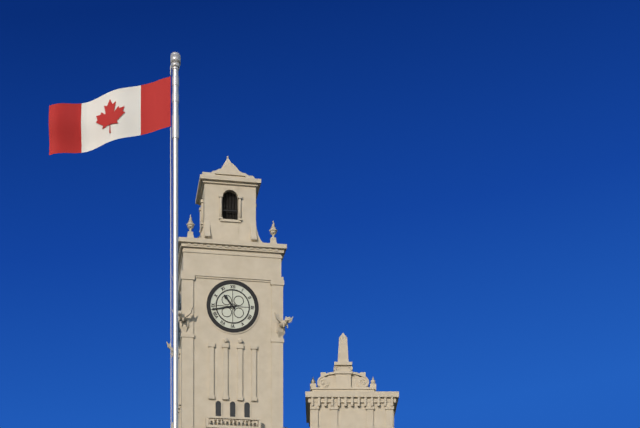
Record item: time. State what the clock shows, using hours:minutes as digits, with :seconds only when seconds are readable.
10:43
